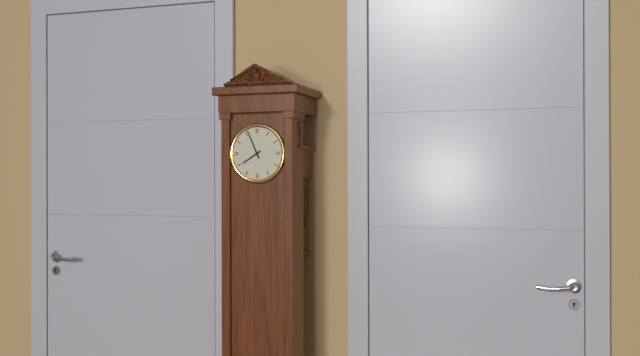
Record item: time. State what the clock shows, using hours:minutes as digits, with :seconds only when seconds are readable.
7:56
